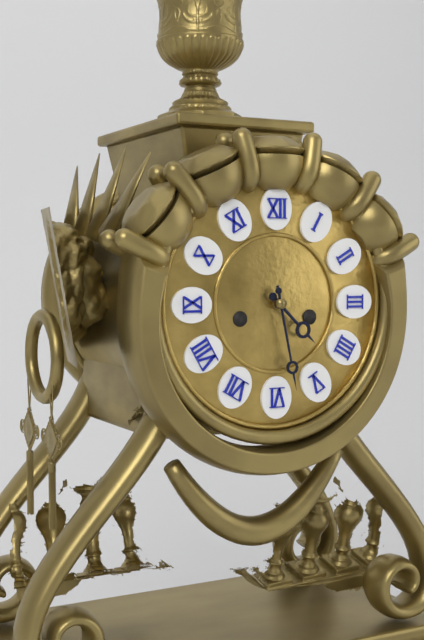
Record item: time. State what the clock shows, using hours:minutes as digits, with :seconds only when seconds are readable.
4:28
